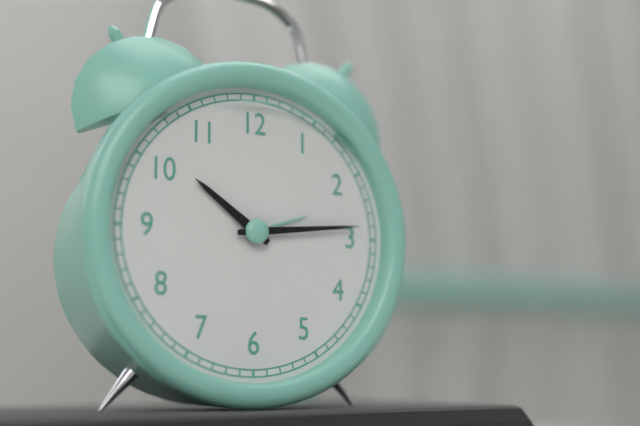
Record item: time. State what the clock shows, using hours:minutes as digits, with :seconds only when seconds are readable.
10:14
